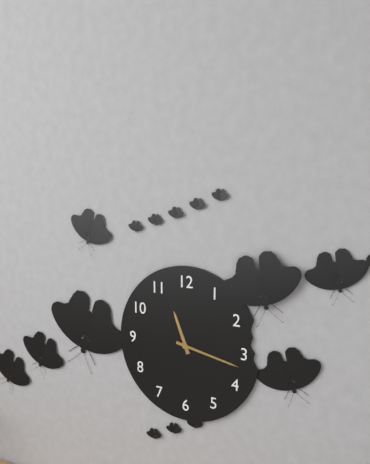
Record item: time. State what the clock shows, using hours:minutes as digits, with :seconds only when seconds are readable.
11:17
